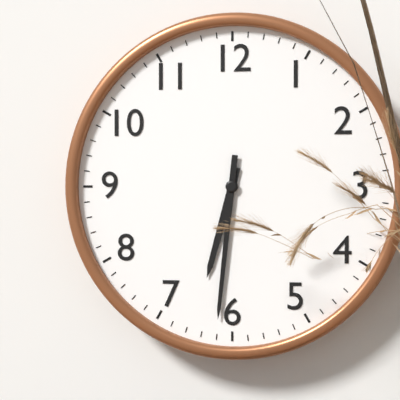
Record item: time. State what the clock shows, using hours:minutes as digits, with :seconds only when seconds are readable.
6:31
